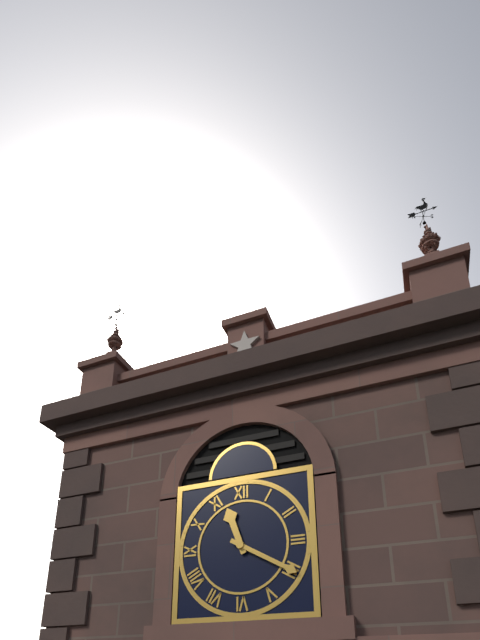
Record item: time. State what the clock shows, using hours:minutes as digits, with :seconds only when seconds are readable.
11:20
